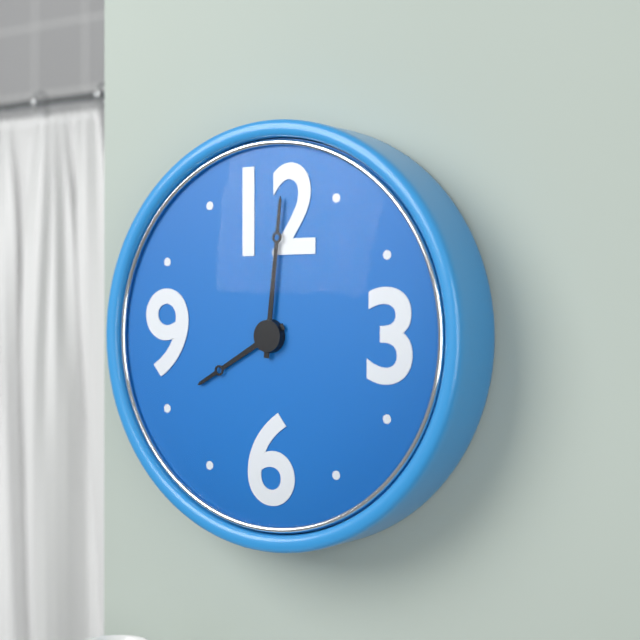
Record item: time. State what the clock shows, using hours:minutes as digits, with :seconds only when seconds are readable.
8:01
